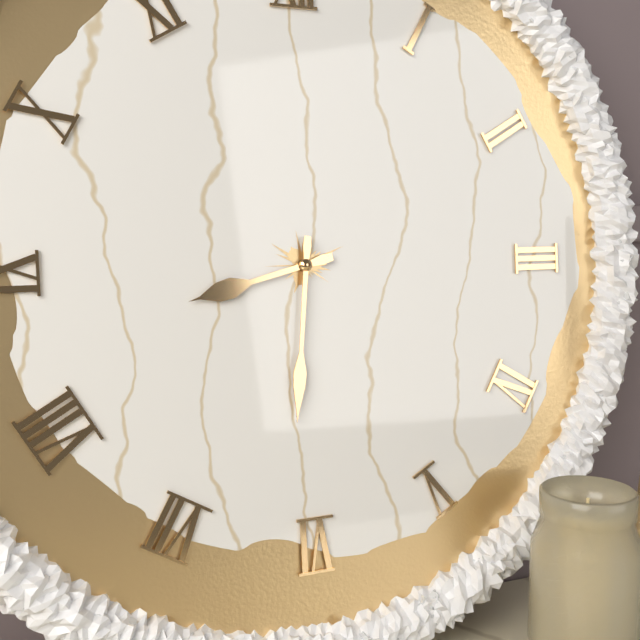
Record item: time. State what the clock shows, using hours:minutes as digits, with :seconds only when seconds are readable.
8:31
